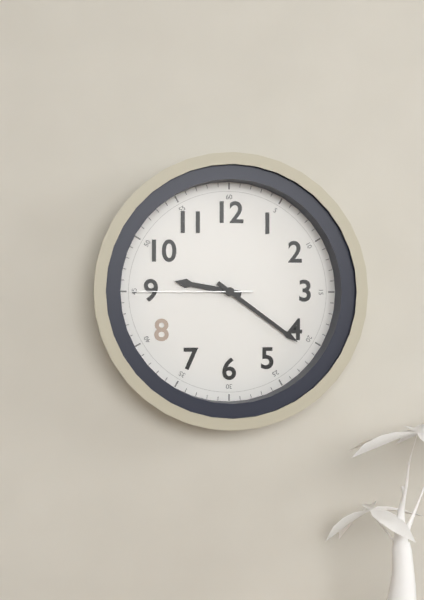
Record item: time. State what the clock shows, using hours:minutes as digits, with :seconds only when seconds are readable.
9:21:45
